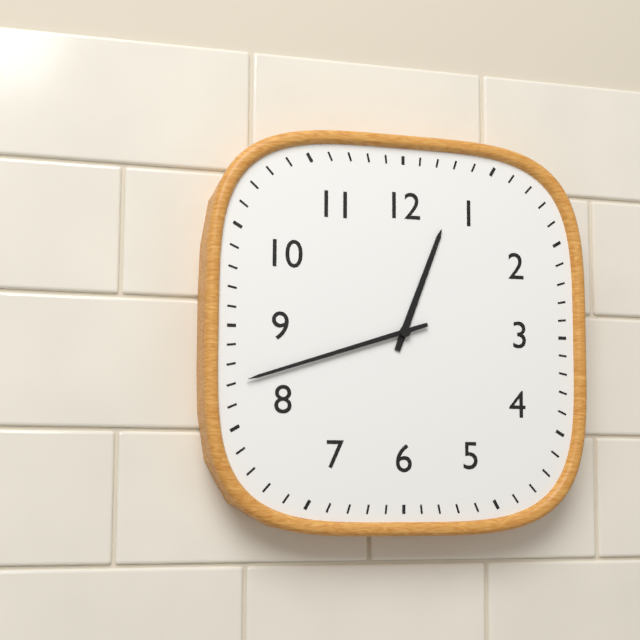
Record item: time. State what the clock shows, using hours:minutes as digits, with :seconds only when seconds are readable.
12:42
